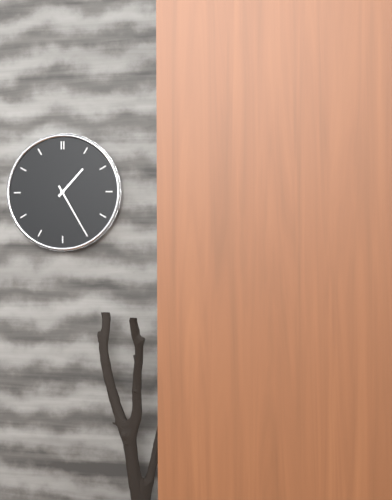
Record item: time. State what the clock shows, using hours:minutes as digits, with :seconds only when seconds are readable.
1:25
